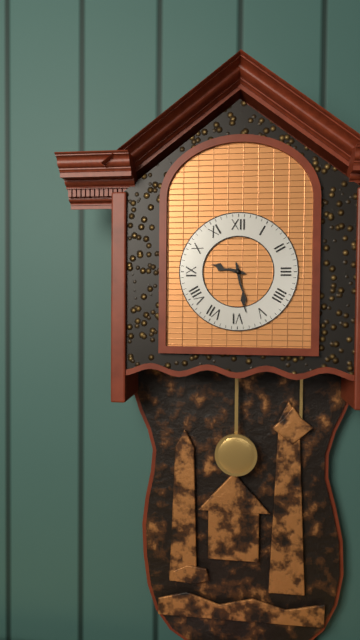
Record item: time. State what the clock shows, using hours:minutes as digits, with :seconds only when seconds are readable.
9:28
